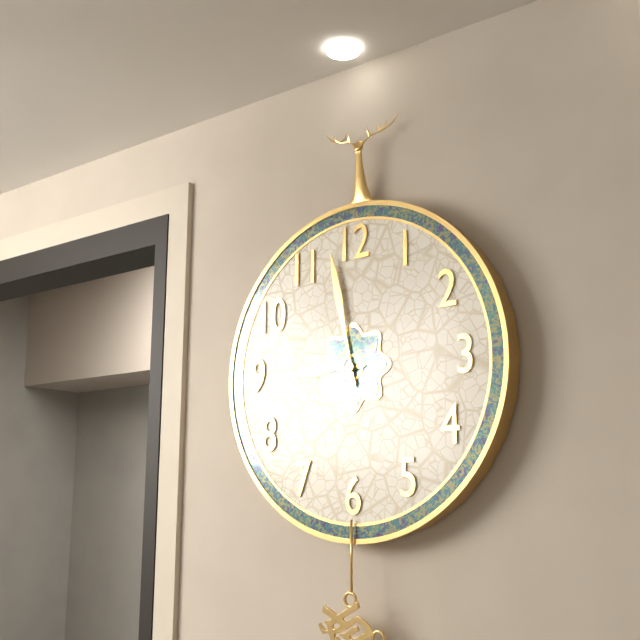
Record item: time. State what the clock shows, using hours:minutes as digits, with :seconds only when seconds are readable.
8:58
